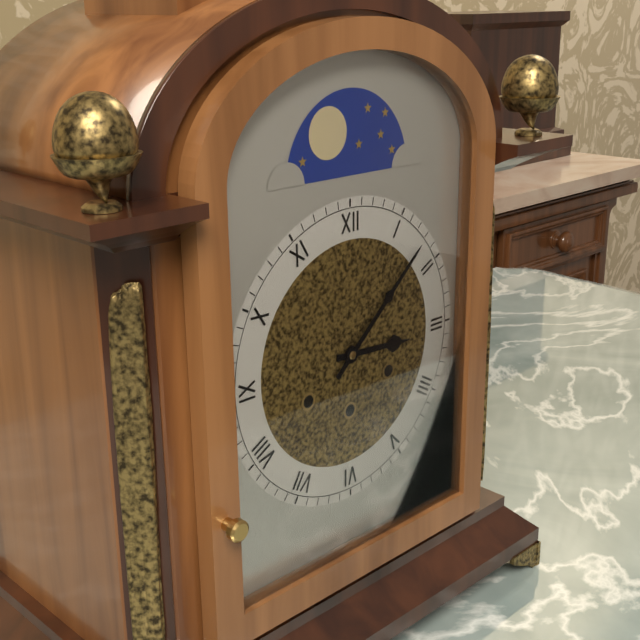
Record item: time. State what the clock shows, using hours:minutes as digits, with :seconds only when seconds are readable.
3:08
